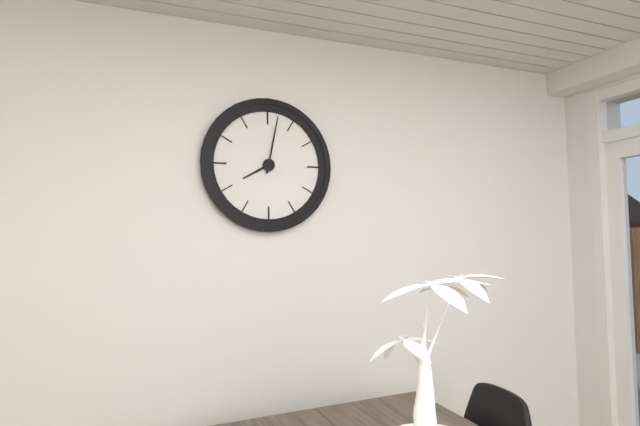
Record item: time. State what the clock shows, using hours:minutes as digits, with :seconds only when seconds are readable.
8:02
